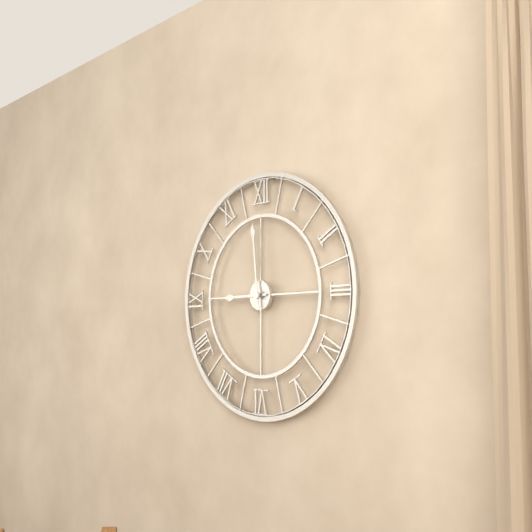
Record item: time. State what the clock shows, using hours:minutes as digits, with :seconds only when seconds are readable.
8:59
